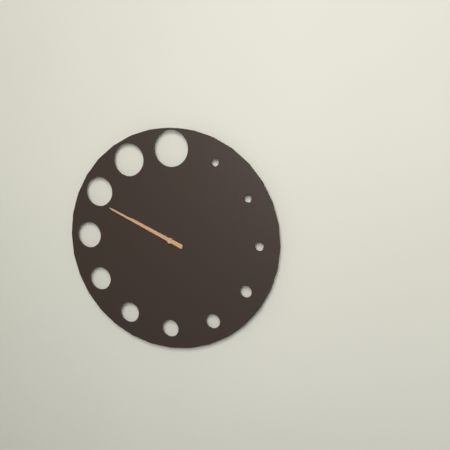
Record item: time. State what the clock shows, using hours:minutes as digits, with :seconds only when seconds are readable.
9:49
